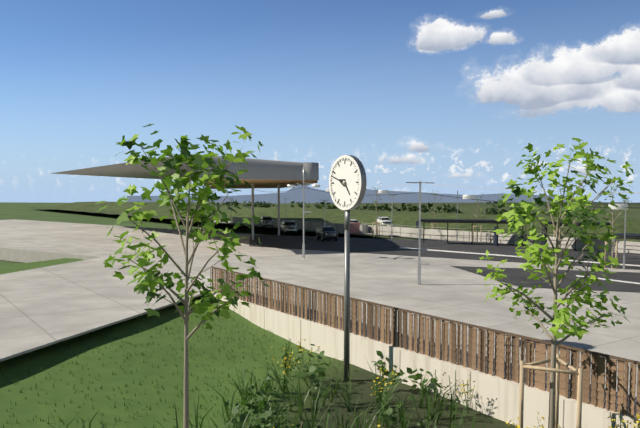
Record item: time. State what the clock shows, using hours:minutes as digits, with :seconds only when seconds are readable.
4:48
